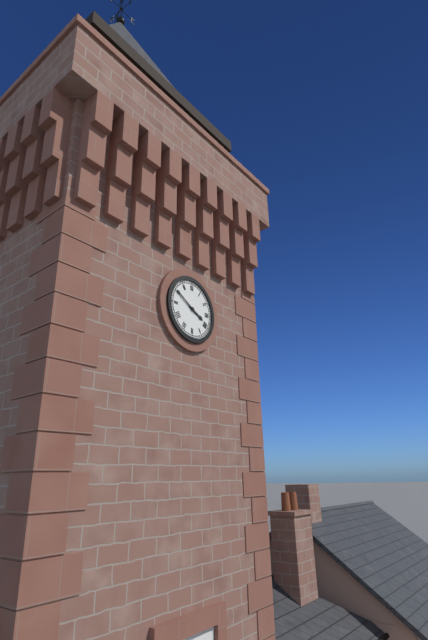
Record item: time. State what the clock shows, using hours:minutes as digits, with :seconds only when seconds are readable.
3:50
